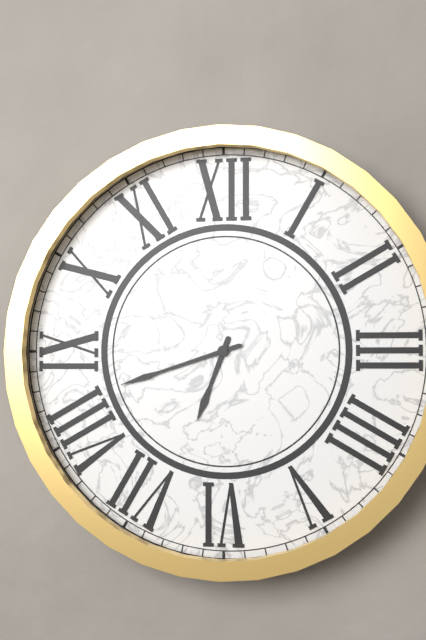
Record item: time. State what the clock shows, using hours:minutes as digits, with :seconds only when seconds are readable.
6:42
